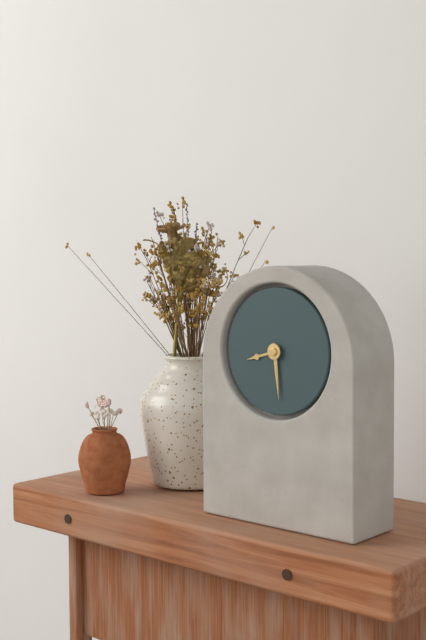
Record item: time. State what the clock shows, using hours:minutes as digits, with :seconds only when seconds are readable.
8:29
